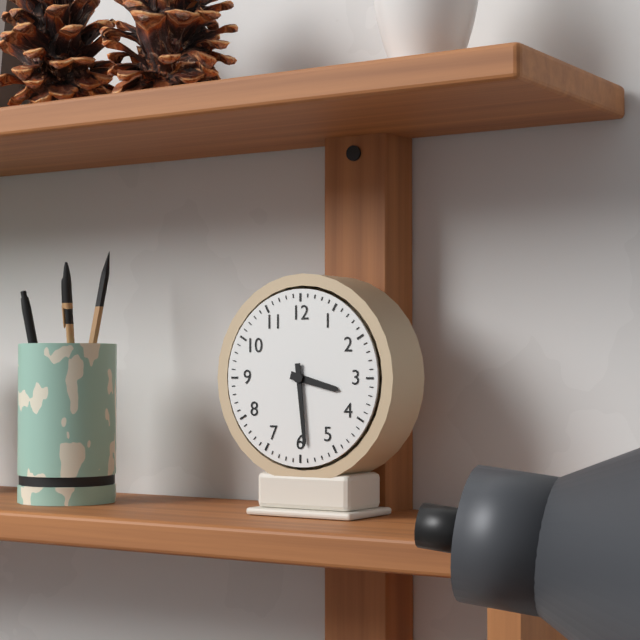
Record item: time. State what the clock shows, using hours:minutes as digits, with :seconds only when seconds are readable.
3:29
